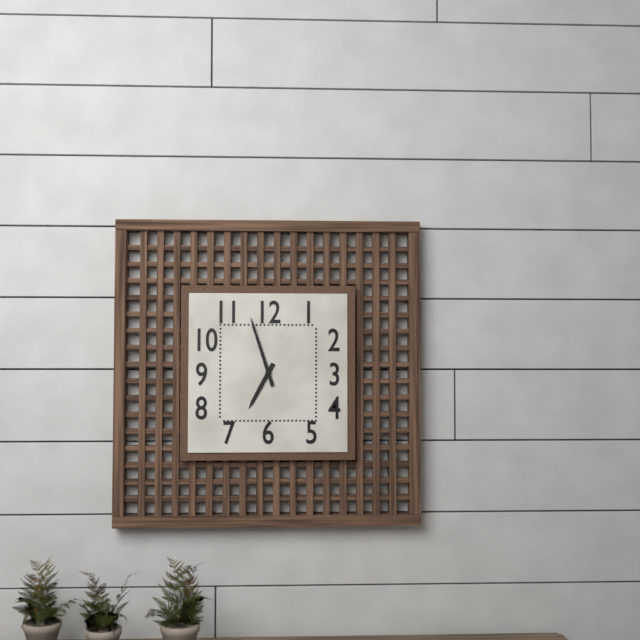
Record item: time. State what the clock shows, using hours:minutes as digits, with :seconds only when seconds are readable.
6:57
